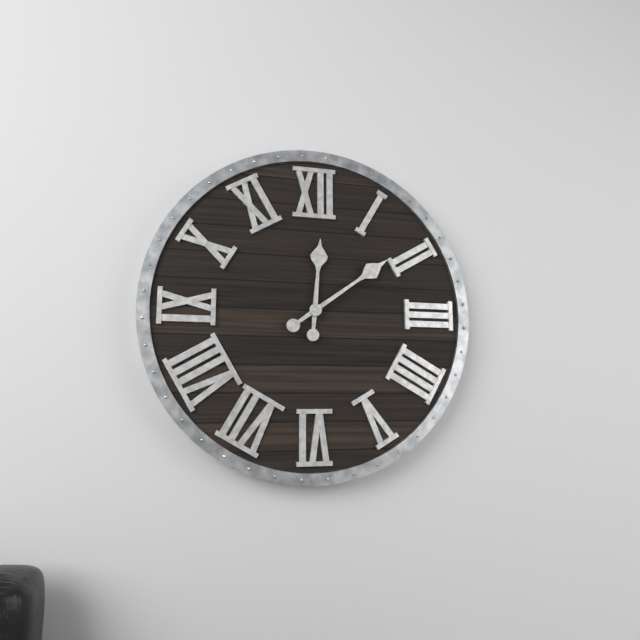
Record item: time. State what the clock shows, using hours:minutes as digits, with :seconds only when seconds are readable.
12:09
